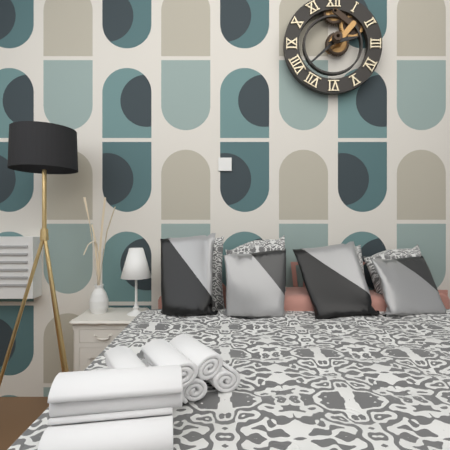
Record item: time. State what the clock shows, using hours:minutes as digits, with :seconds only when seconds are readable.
2:38
